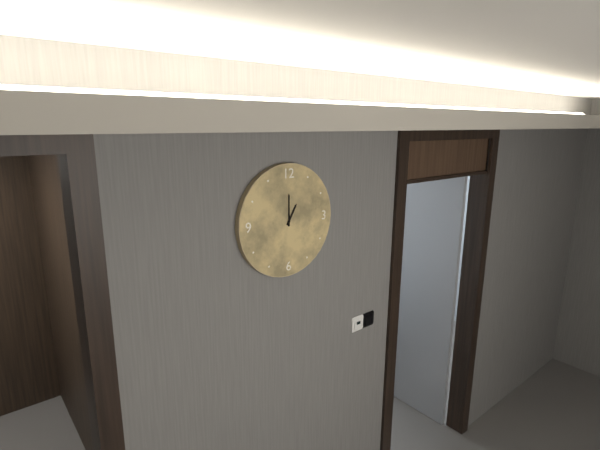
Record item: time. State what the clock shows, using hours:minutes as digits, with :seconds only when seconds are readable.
1:00
